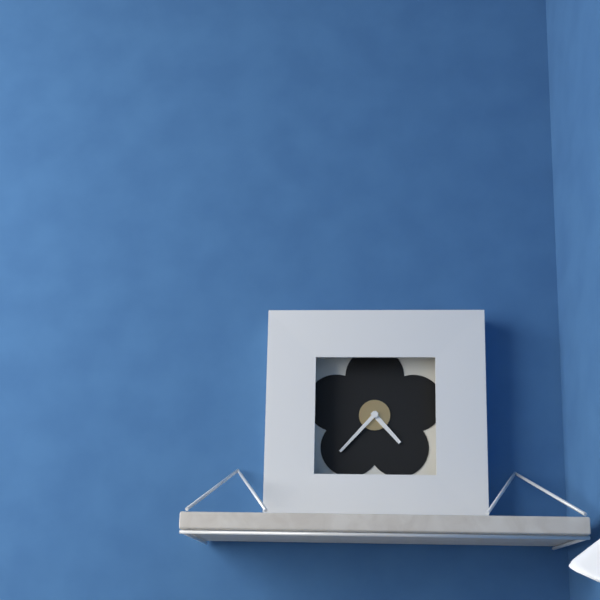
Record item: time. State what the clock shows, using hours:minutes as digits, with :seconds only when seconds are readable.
4:37
